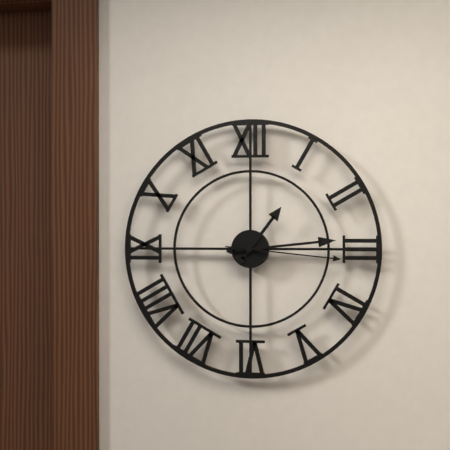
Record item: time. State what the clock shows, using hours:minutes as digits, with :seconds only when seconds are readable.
1:14:16
